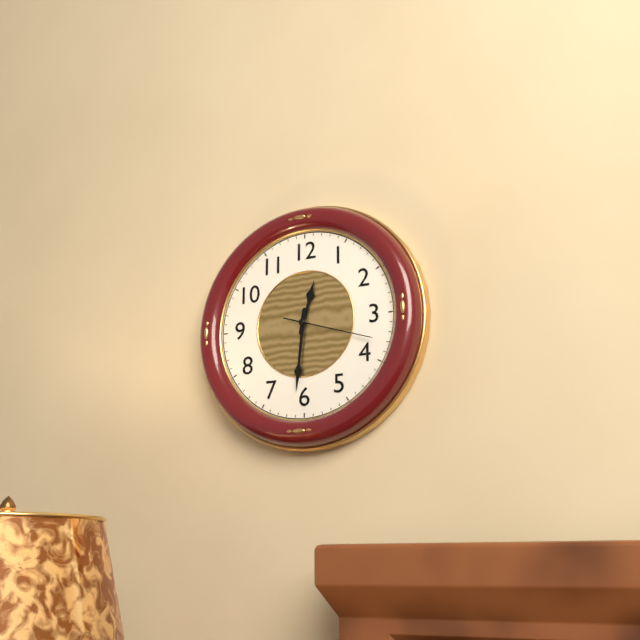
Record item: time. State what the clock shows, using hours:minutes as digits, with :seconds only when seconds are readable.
12:31:18
